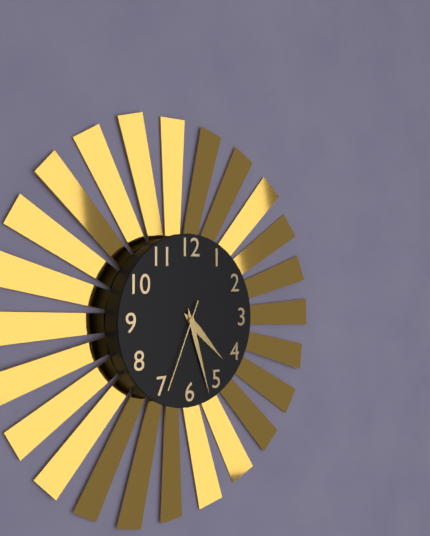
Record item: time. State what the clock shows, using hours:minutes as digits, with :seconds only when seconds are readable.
4:27:34
